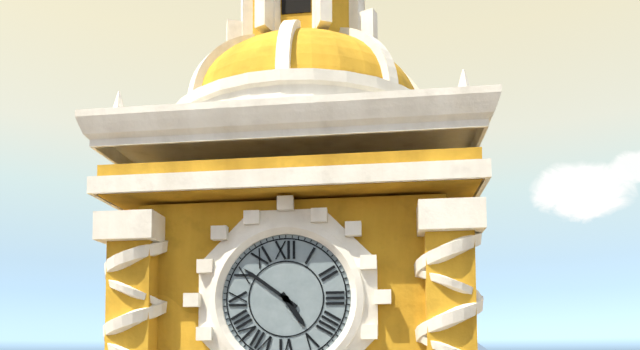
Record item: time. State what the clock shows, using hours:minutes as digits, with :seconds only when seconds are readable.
4:51
